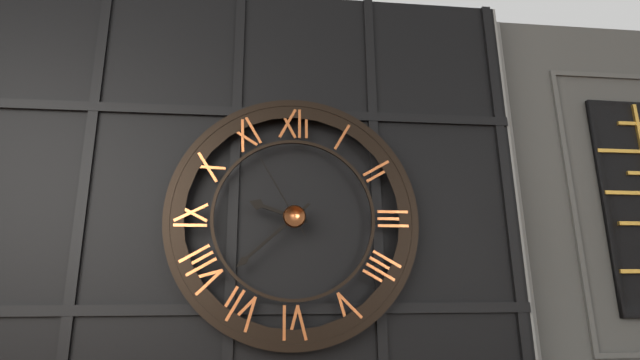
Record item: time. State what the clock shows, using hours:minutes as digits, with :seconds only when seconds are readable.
9:38:55
